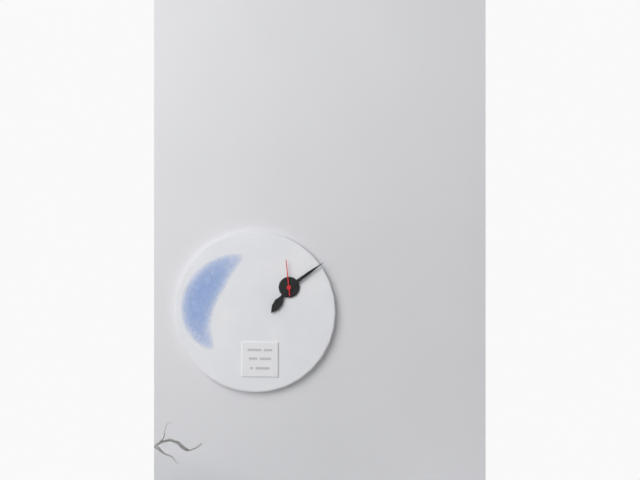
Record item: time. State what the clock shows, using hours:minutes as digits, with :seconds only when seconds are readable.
7:09
